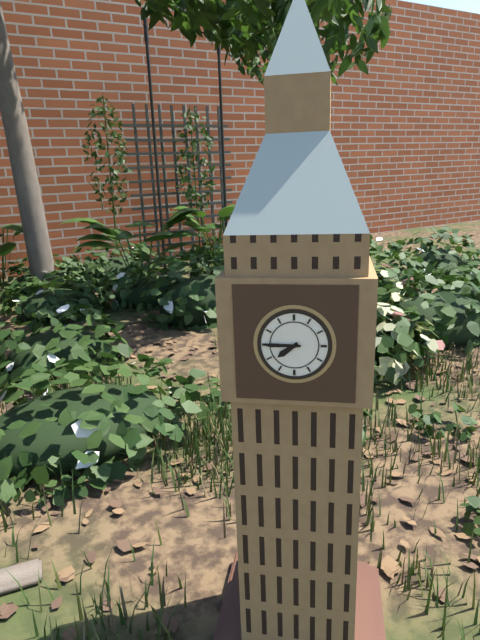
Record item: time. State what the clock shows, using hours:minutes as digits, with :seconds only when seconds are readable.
7:45
